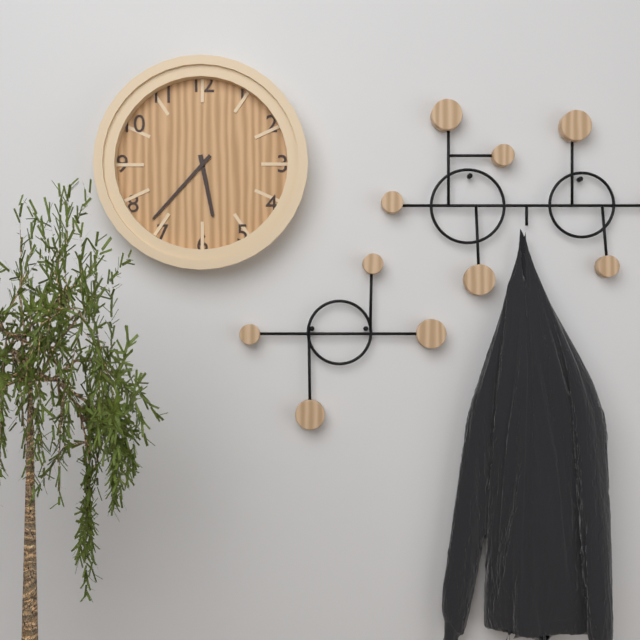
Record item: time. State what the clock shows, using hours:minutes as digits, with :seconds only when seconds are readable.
5:37
